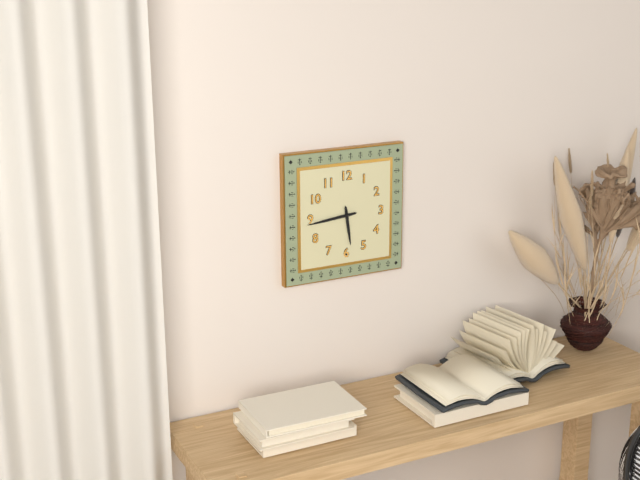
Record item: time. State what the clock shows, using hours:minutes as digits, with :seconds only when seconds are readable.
5:44
